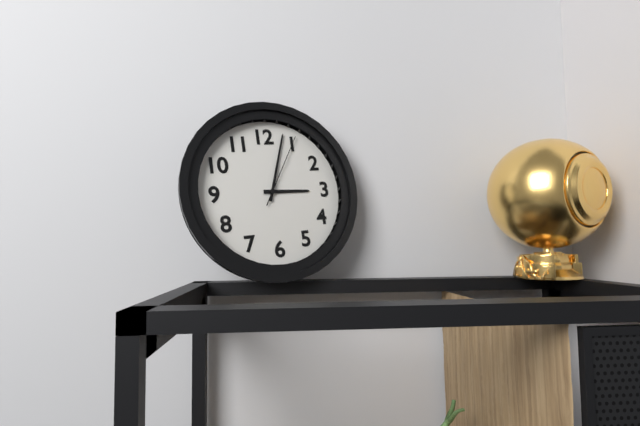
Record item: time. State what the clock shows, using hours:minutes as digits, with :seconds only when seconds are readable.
3:03:05
